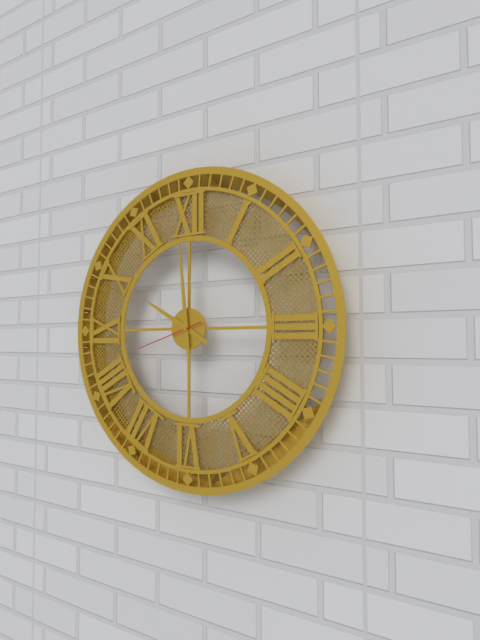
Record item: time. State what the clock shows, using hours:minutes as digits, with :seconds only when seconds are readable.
9:59:42
